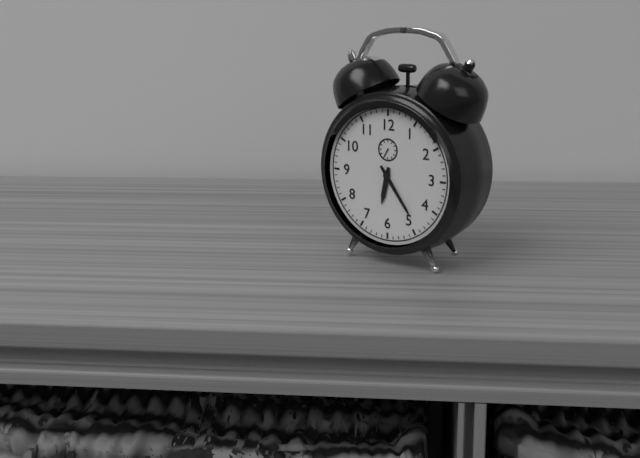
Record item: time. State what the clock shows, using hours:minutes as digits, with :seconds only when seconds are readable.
6:24
